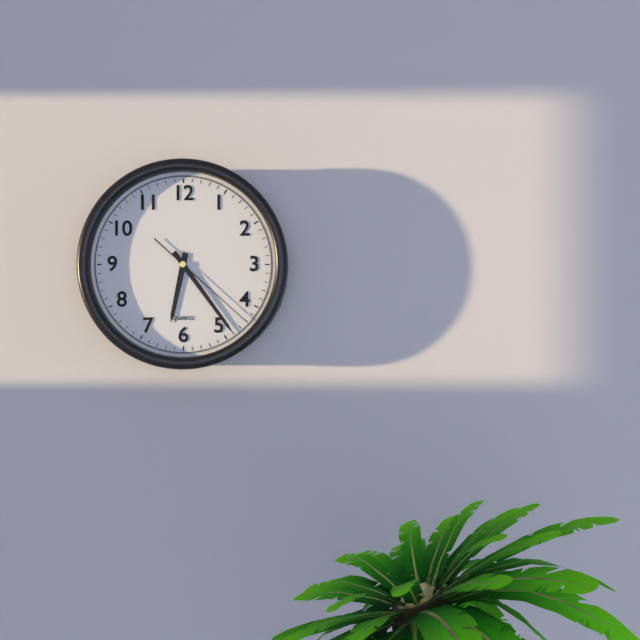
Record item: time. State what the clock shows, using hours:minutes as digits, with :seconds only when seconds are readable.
6:24:22
